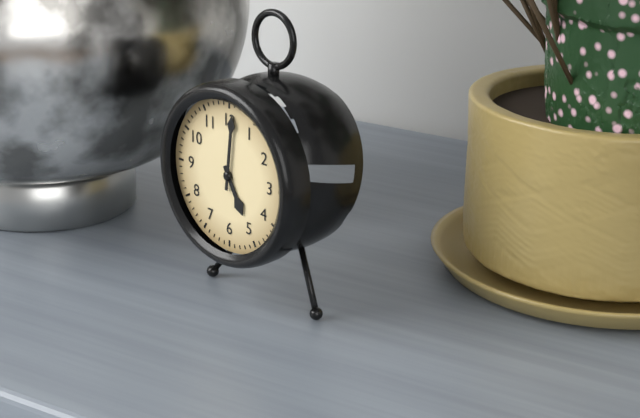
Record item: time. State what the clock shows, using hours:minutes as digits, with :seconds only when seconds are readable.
5:01
